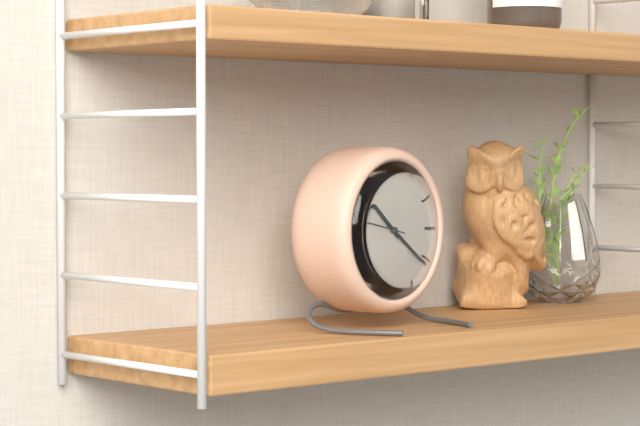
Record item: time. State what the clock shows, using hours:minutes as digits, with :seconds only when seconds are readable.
10:21
